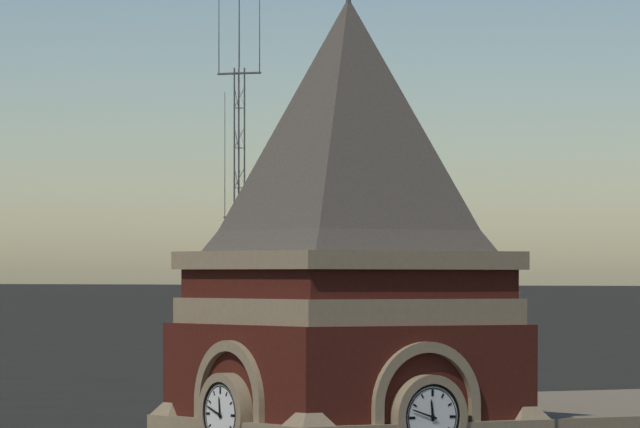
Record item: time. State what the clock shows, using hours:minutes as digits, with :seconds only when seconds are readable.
11:48
